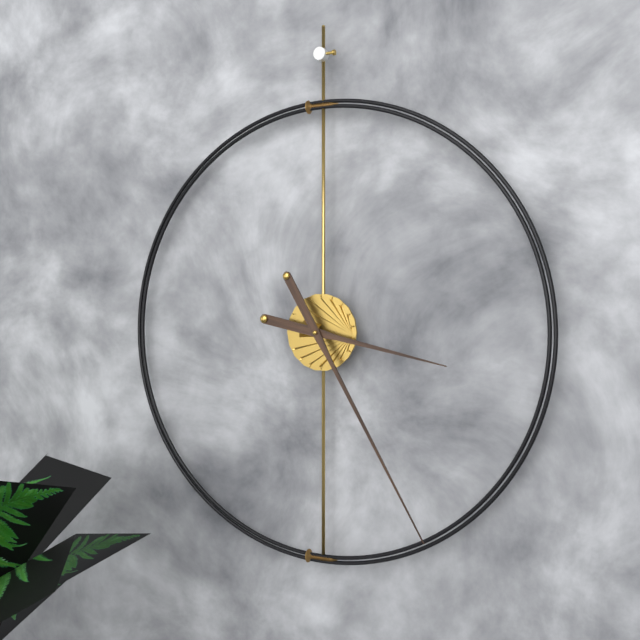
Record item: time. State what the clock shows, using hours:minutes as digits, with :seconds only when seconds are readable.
3:25
